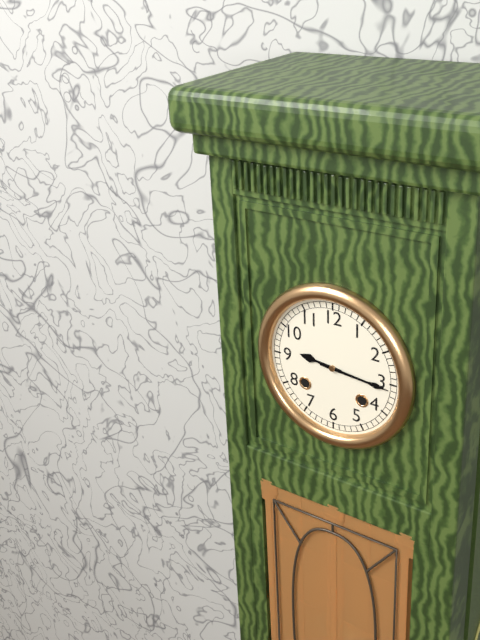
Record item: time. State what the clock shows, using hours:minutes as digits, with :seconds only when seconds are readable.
9:16
